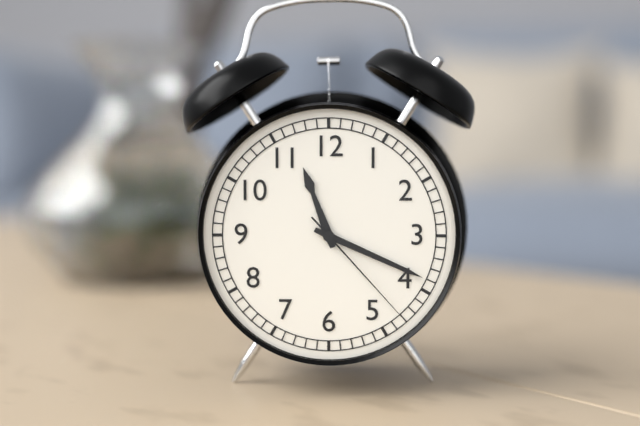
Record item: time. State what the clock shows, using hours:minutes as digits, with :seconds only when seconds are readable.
11:19:23
